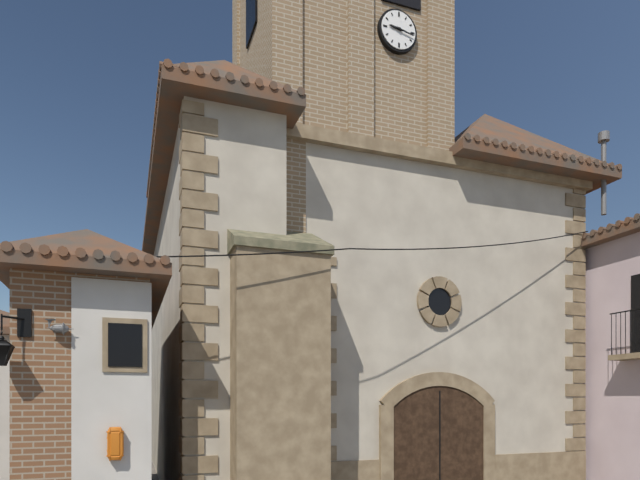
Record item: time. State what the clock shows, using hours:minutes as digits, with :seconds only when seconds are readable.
9:17
